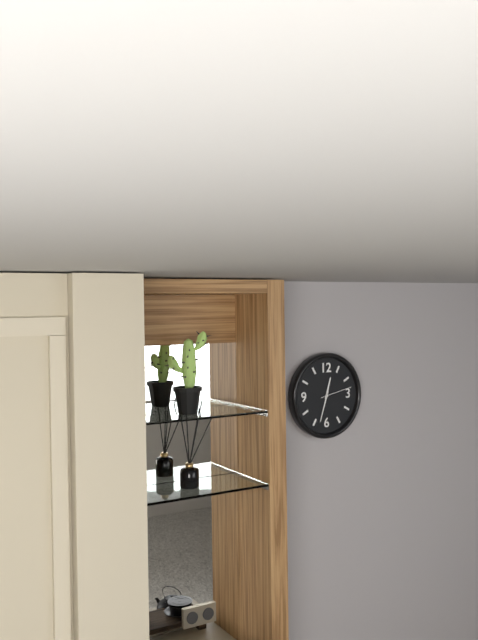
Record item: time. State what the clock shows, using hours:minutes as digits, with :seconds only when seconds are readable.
12:33
